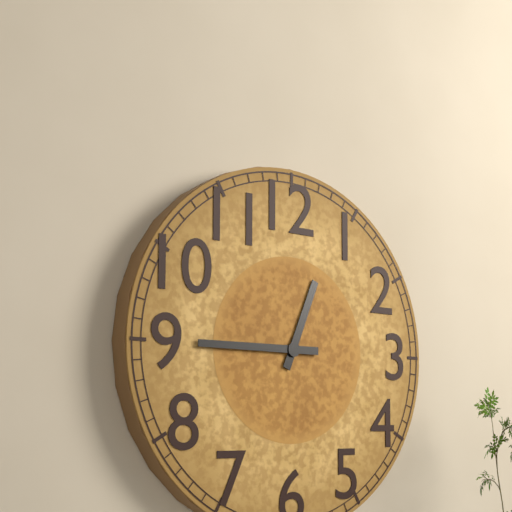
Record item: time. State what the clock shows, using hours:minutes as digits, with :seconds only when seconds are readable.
12:45
